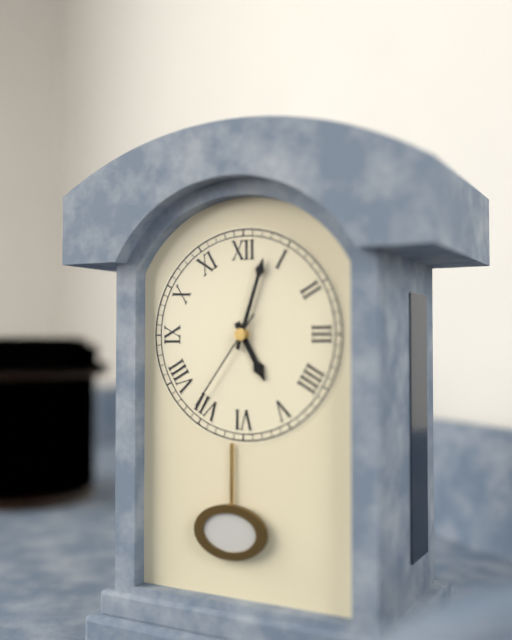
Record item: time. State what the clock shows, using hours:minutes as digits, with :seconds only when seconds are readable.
5:03:36
